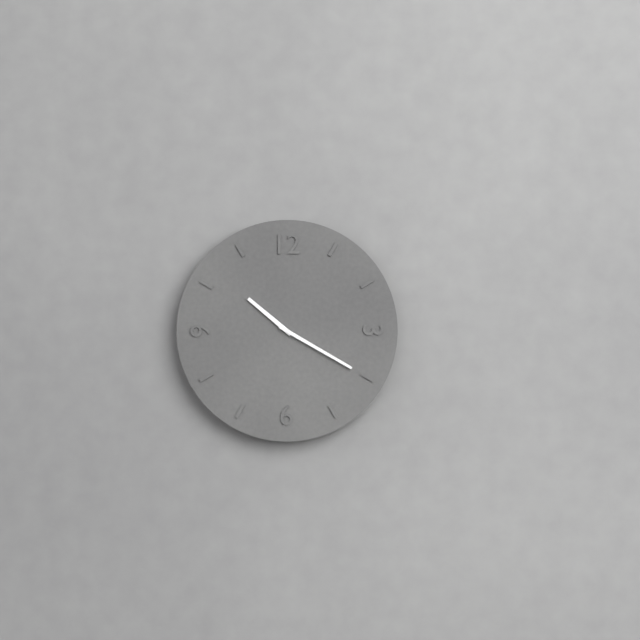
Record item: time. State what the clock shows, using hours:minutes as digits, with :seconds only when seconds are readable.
10:20
